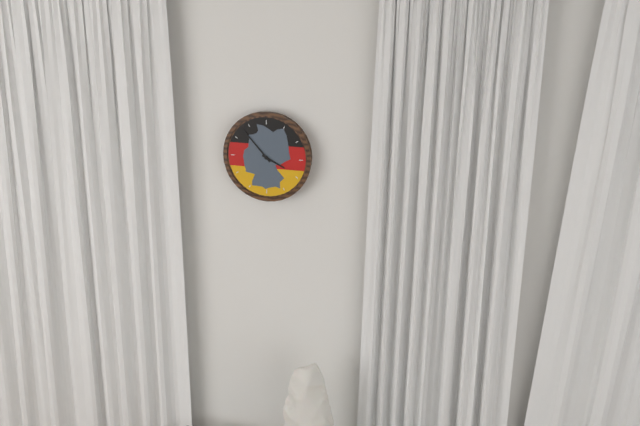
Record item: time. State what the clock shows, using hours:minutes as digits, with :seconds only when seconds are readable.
3:53
